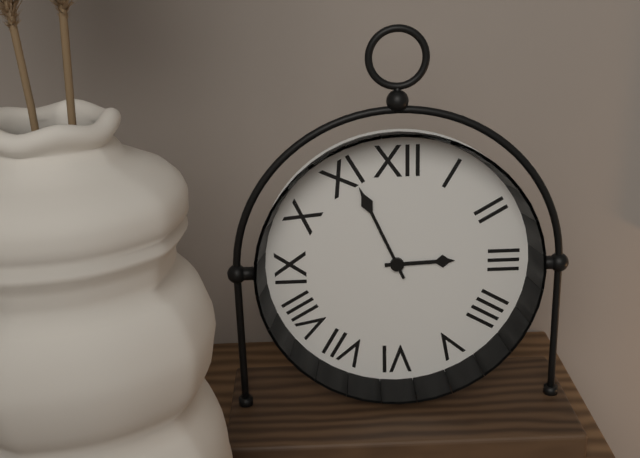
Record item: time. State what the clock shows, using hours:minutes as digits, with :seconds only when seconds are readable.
2:56
